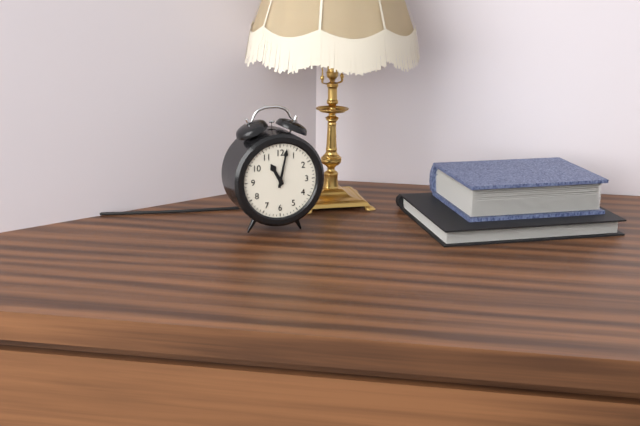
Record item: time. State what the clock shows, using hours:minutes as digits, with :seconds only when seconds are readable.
11:02
